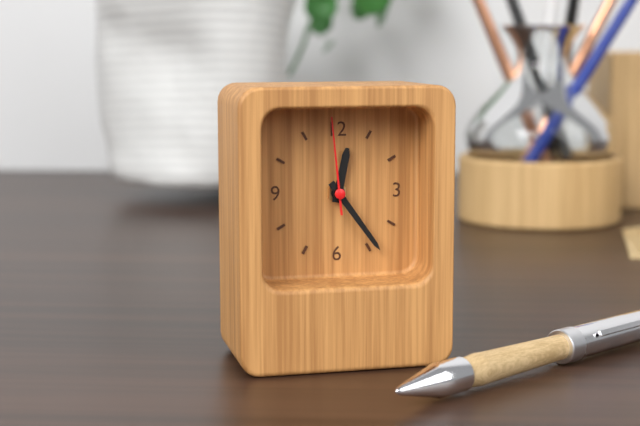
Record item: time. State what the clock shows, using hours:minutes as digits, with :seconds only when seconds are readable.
12:24:59
